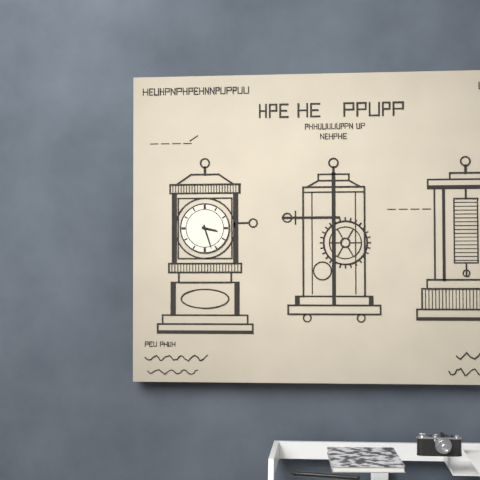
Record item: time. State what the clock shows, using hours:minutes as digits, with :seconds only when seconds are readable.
3:27
